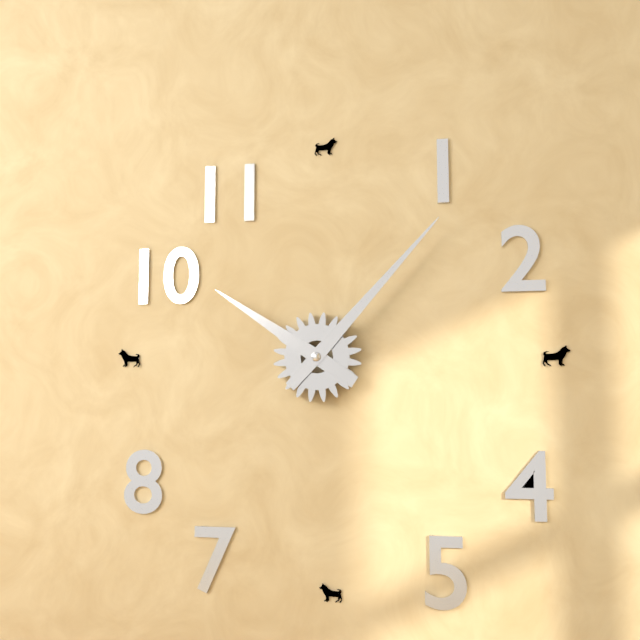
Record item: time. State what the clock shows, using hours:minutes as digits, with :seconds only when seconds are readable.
10:07
